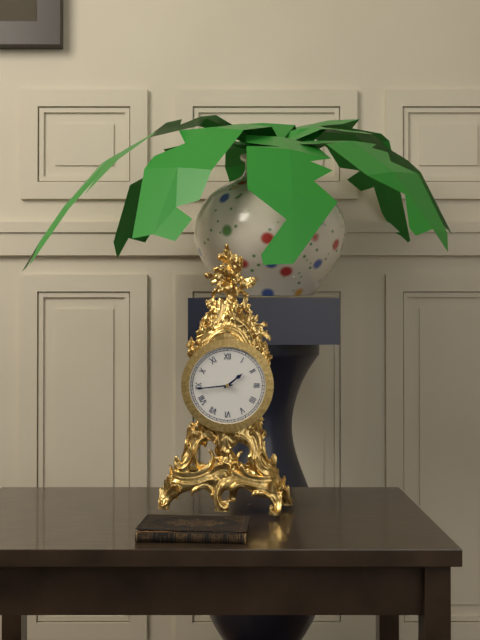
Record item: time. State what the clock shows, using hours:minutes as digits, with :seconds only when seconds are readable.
1:44
